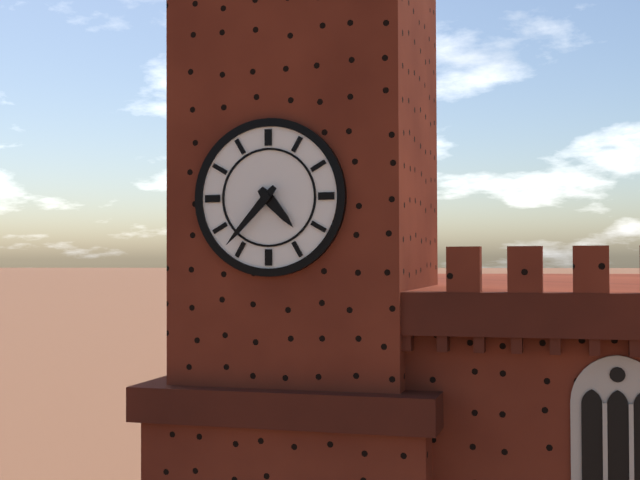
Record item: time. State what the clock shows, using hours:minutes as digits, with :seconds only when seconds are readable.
4:37
